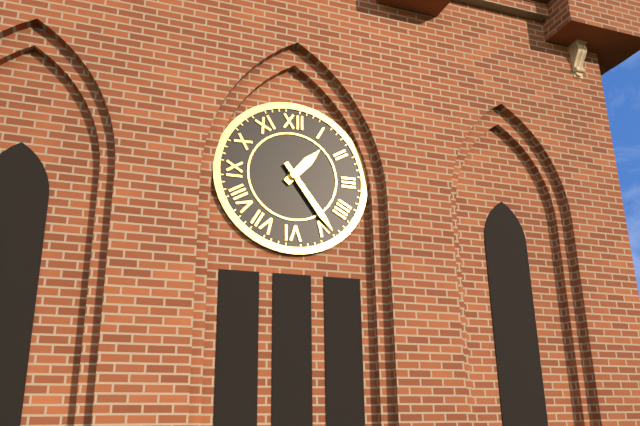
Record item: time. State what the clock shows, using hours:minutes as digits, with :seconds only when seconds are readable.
1:24
